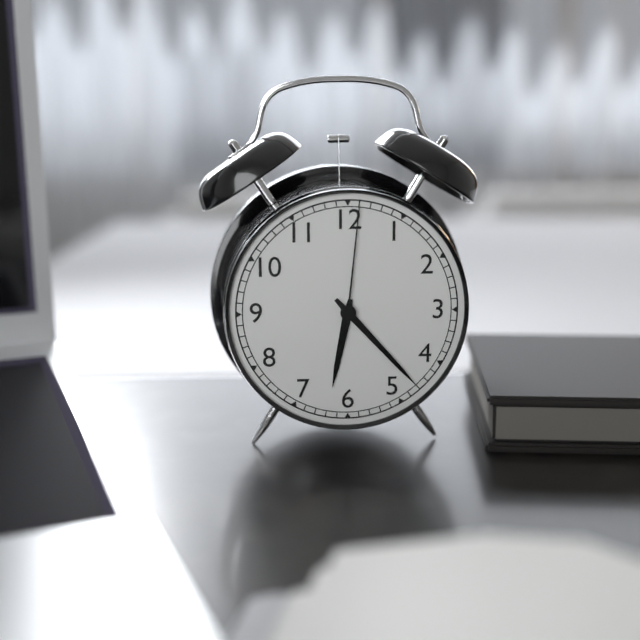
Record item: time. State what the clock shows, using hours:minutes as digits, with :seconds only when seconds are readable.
6:23:01
